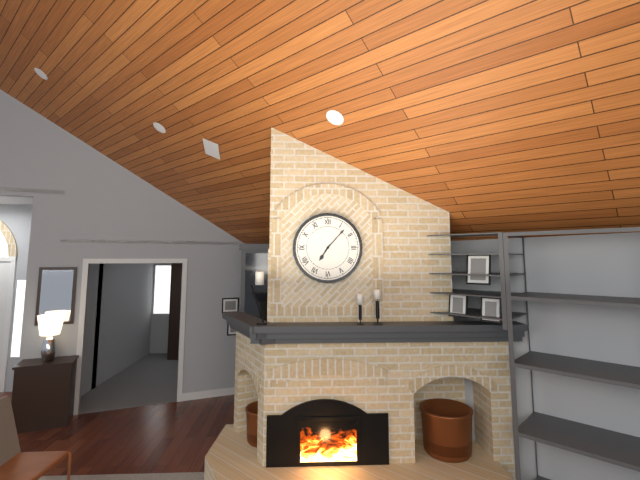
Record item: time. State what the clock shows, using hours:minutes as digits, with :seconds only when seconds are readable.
7:07
